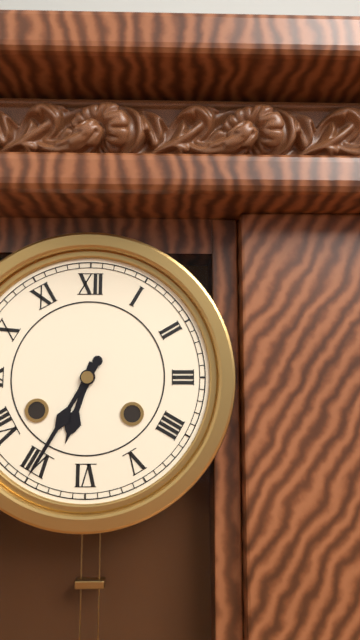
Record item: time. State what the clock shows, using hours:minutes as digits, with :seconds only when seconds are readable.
6:35
